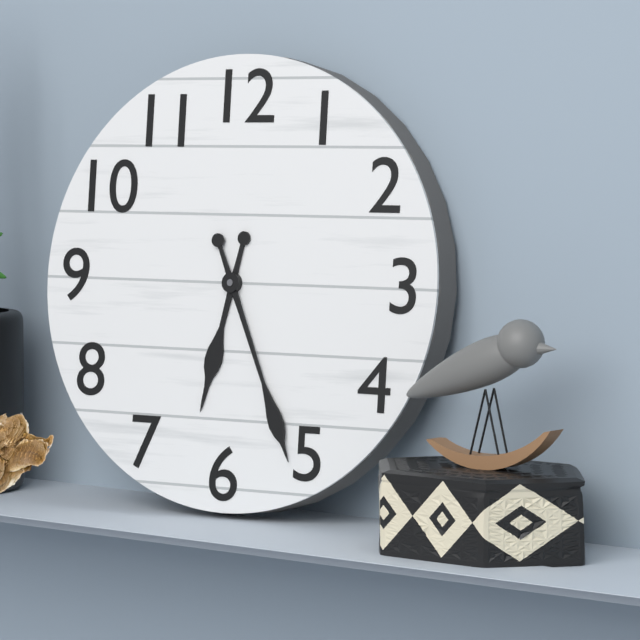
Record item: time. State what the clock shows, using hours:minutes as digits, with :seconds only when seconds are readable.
6:26
